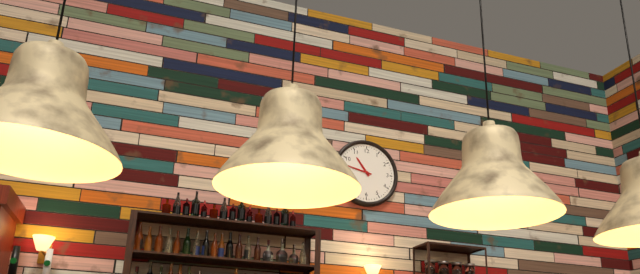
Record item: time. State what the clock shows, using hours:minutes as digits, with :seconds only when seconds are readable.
10:47
